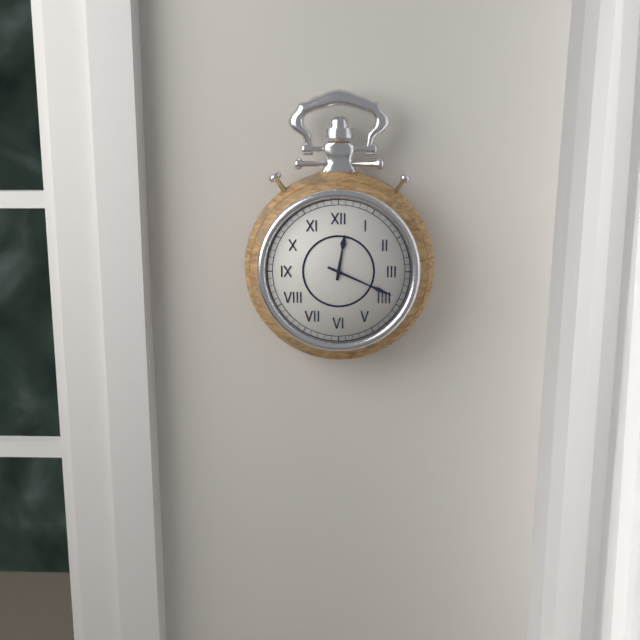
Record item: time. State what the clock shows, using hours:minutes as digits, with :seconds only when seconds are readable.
12:19
